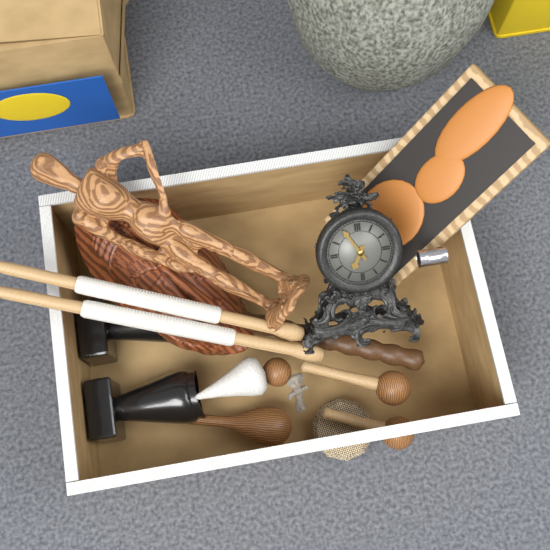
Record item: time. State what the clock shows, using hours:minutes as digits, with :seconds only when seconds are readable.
6:55
